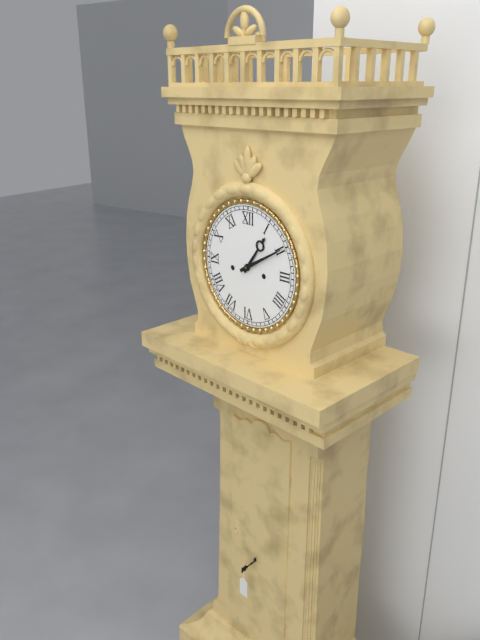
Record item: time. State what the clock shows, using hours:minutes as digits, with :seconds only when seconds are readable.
1:10
